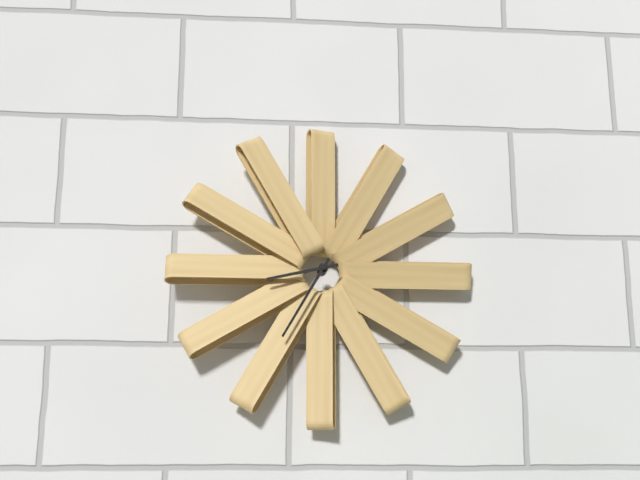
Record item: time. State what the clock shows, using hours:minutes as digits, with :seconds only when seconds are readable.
8:35
